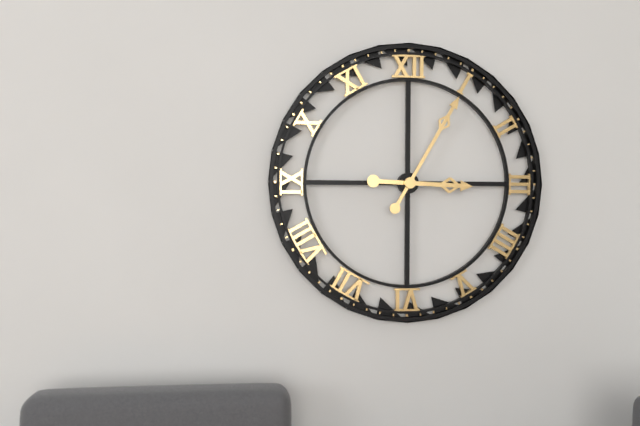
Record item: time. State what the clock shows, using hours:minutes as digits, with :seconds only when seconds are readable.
3:05
